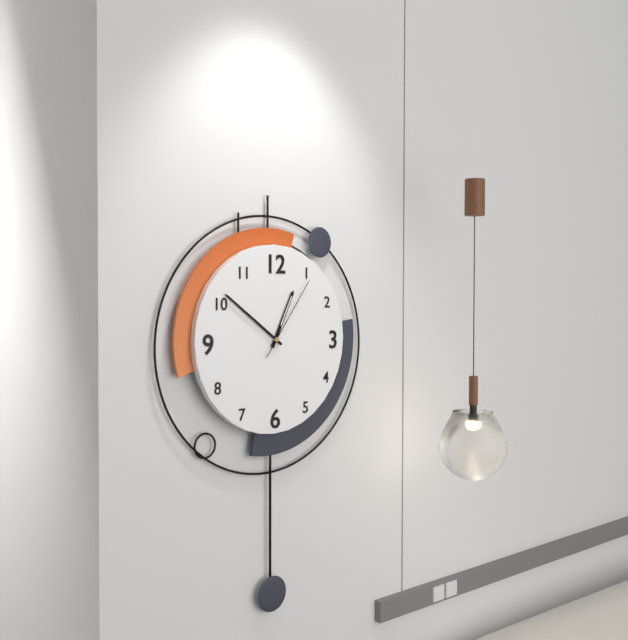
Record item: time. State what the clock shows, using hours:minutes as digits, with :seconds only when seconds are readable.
12:51:06
